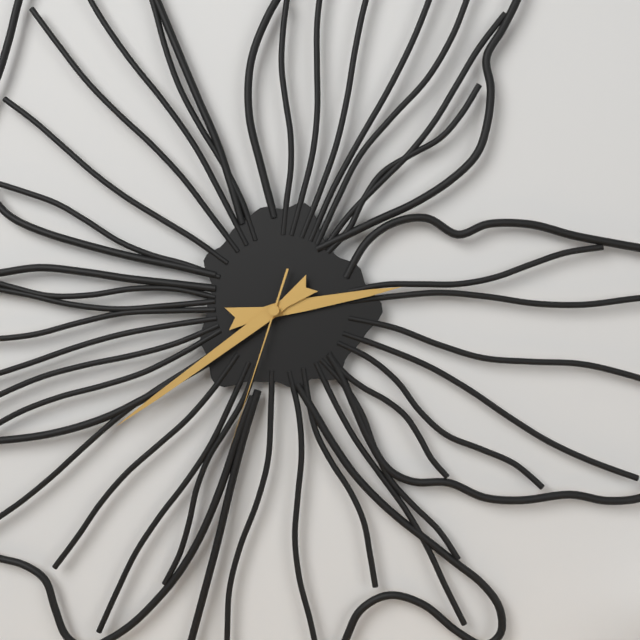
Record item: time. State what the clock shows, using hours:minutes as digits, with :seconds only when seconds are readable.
2:39:33
